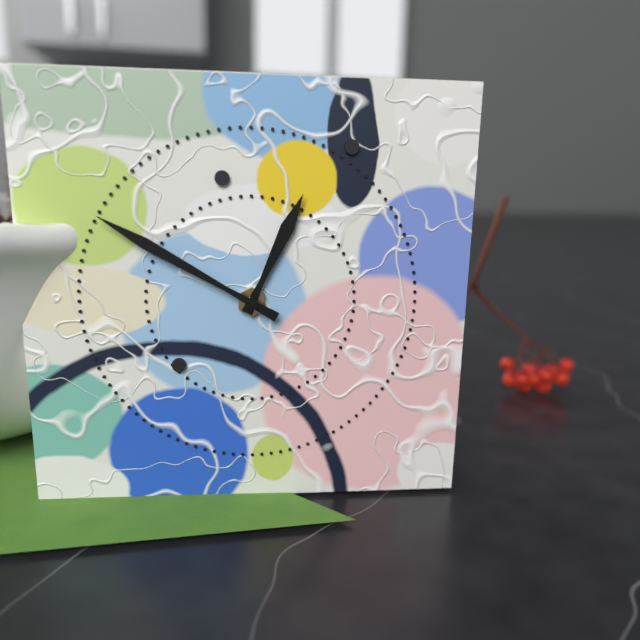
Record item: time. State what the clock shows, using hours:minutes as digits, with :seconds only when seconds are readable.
12:50
